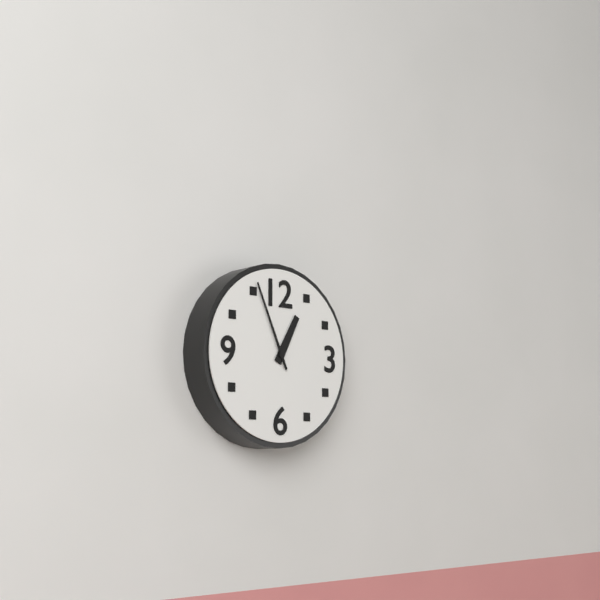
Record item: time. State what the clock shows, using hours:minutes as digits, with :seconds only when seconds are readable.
12:56
